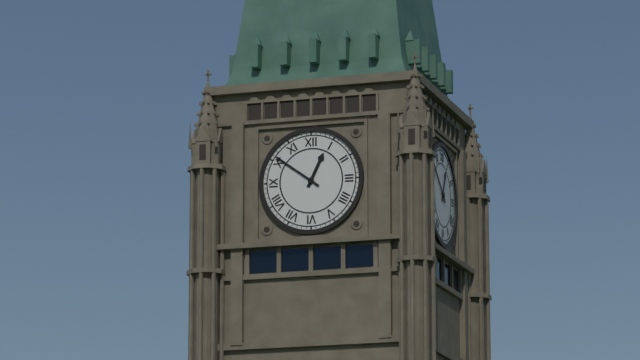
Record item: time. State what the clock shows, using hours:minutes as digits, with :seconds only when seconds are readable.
12:51
